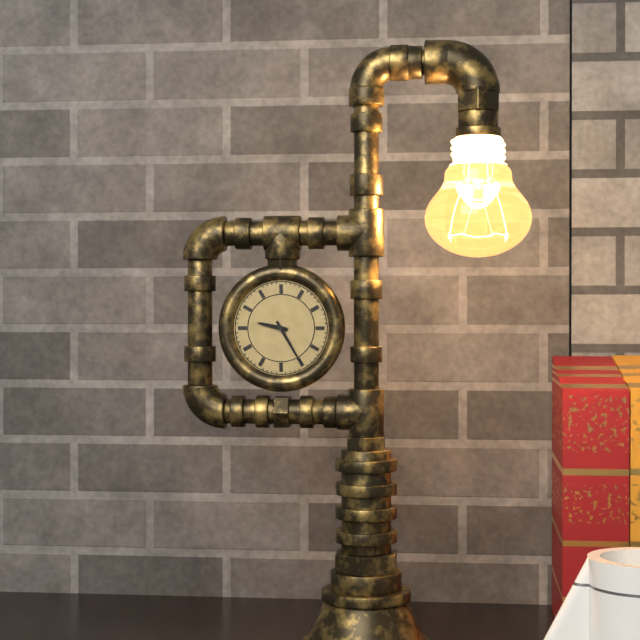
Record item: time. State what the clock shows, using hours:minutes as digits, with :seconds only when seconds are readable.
9:25
